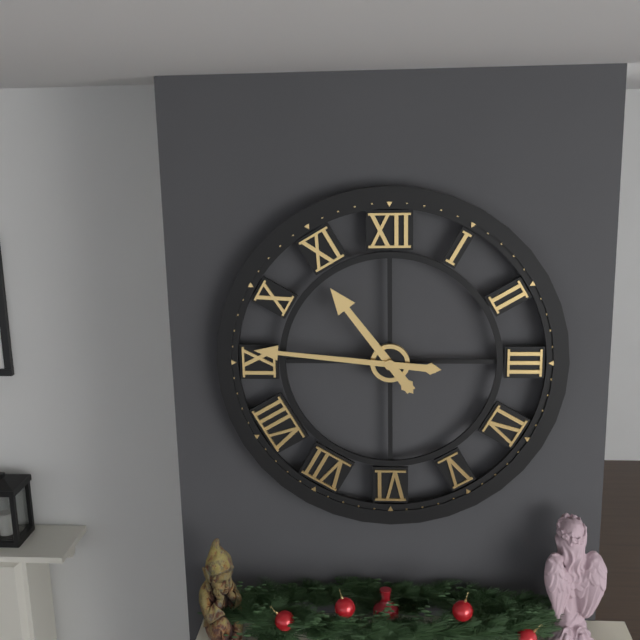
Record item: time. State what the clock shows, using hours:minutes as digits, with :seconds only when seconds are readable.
10:46
